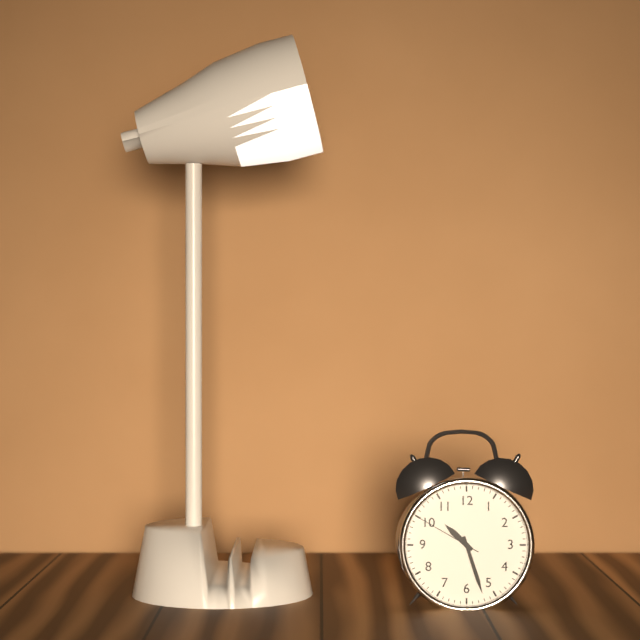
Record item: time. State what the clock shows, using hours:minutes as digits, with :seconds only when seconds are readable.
10:27:50
